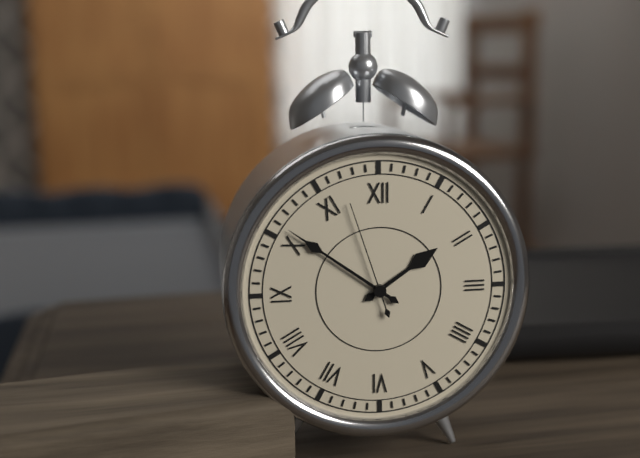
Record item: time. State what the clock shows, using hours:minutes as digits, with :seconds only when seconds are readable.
1:51:57
